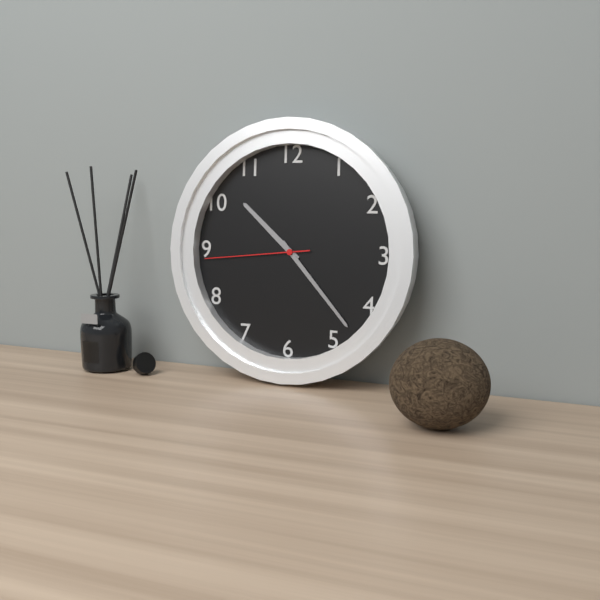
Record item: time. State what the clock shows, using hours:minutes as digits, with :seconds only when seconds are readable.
10:23:44
